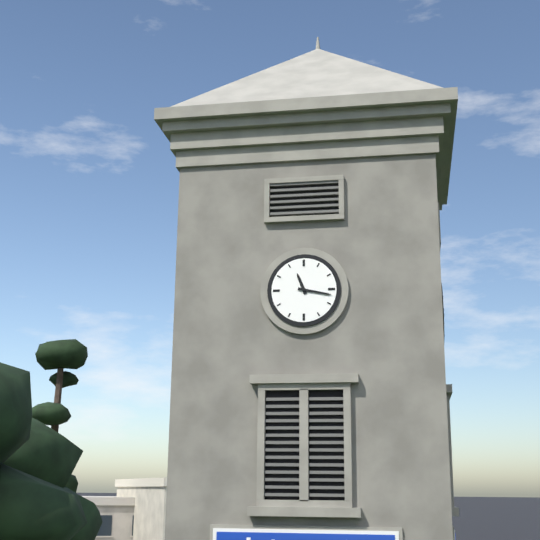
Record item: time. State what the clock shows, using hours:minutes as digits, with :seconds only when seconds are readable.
11:17
